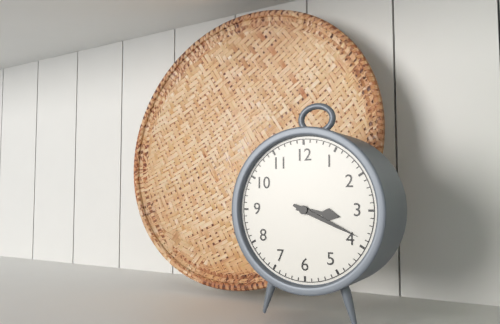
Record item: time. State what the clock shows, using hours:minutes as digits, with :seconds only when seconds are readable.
3:19
